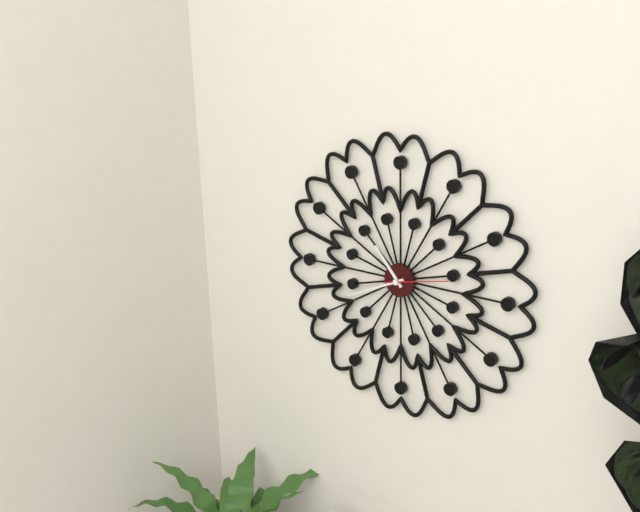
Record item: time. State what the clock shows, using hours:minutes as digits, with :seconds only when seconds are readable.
10:41:13
